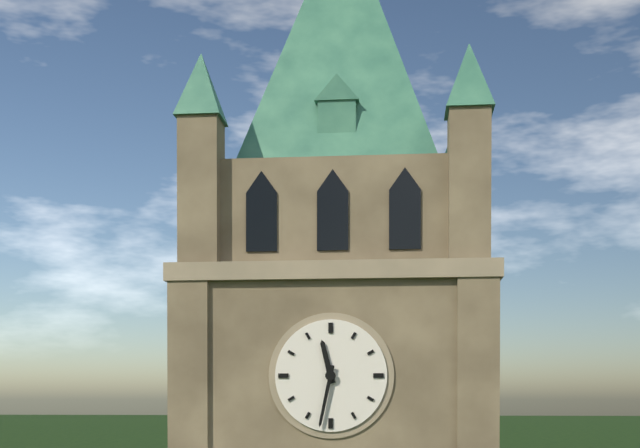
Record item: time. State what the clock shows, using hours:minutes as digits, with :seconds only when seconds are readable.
11:32
